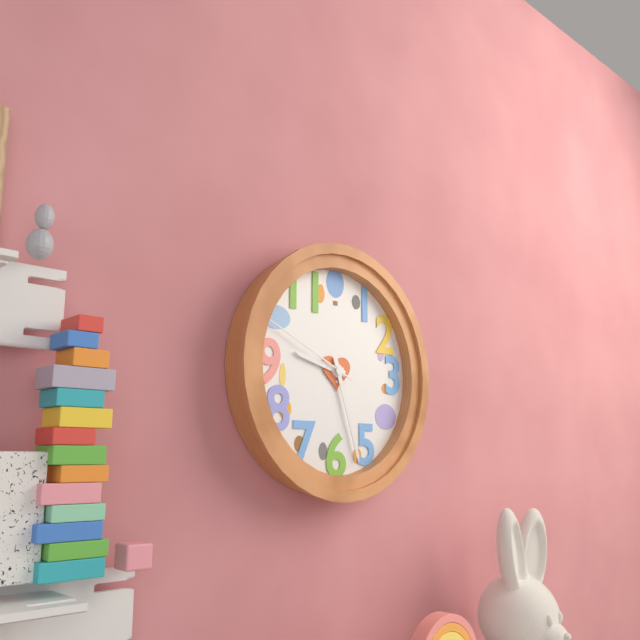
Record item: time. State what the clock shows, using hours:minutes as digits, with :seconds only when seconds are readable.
9:27:49
